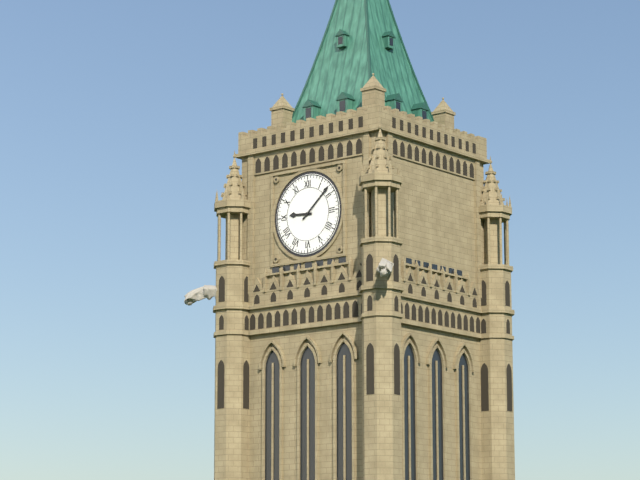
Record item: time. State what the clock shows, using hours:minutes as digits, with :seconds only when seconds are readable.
9:08
